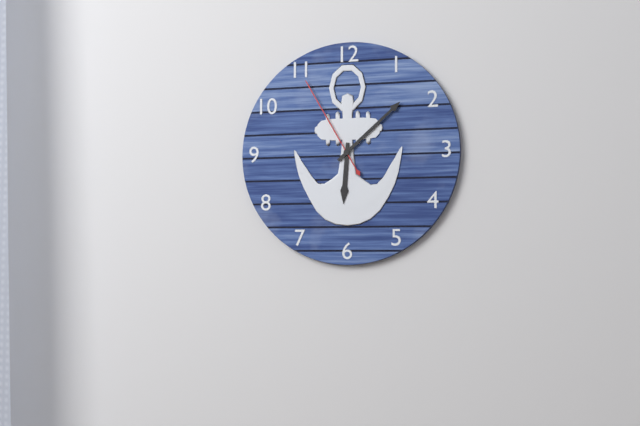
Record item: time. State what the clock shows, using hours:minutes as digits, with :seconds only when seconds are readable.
6:08:55
